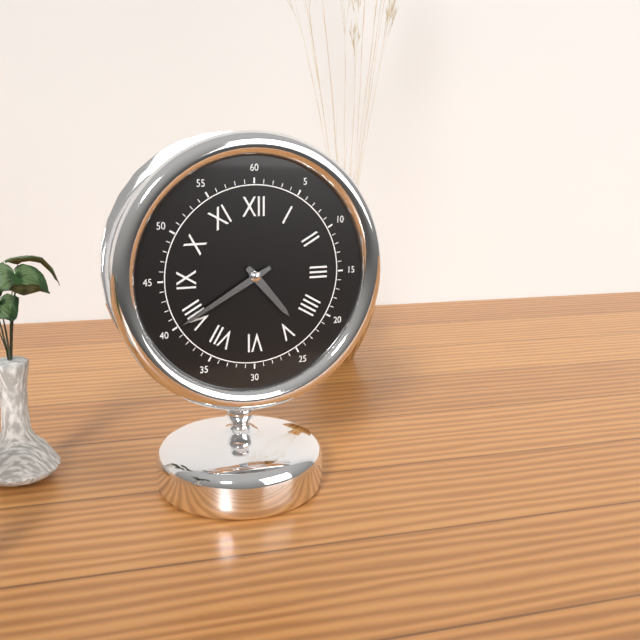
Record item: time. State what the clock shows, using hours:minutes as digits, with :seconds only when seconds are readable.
4:40
